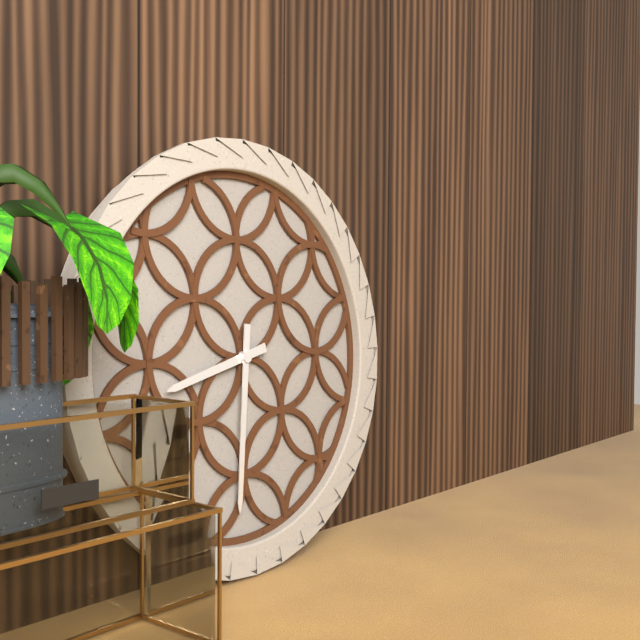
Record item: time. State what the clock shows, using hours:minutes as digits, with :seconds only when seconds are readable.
8:31
